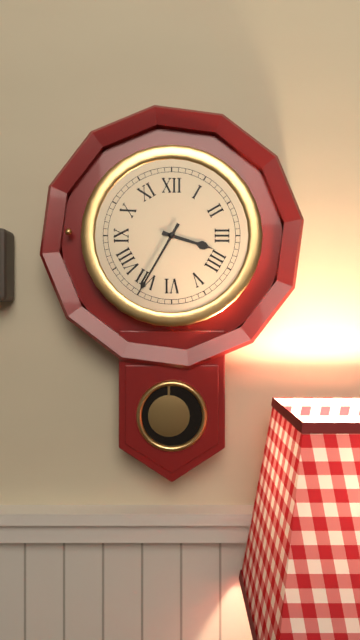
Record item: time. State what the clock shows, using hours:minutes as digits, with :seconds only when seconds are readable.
3:35
